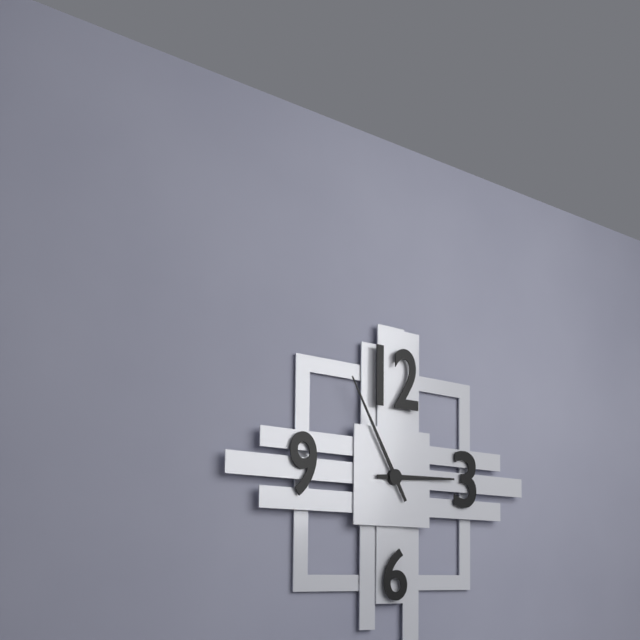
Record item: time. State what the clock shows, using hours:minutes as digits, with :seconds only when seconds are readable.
2:55
